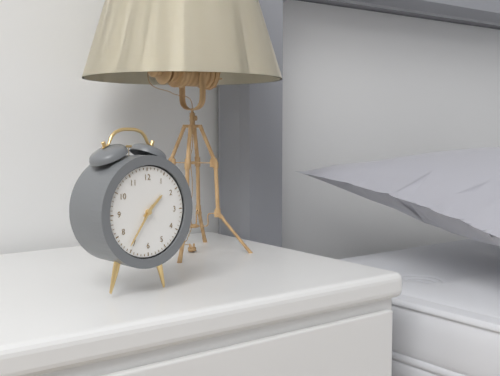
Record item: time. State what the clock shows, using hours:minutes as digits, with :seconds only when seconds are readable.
1:36
